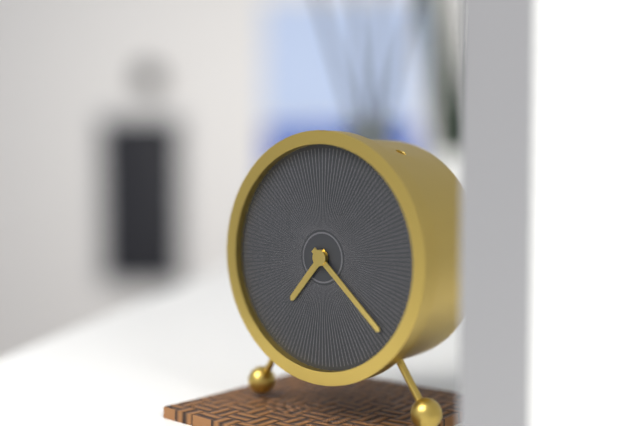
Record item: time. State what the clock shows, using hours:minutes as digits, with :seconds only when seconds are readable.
7:22
